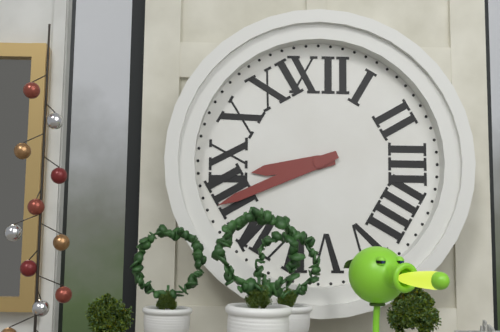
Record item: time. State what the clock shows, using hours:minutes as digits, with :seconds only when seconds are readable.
8:41
